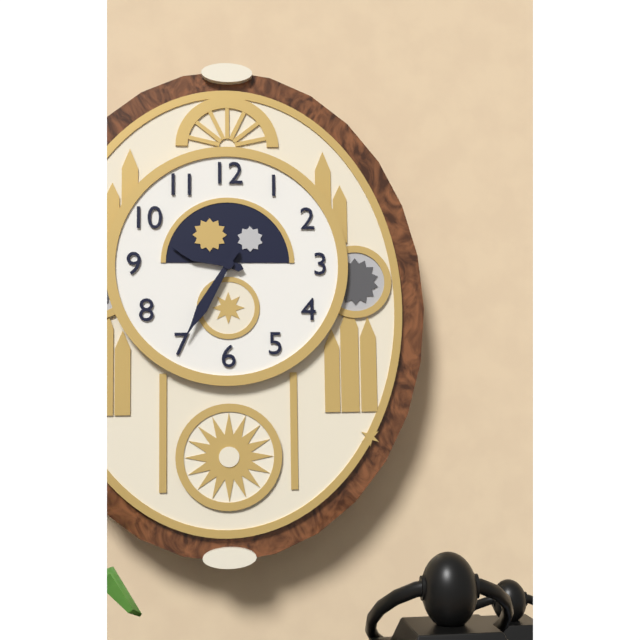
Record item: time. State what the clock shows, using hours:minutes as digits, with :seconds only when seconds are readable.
9:35
